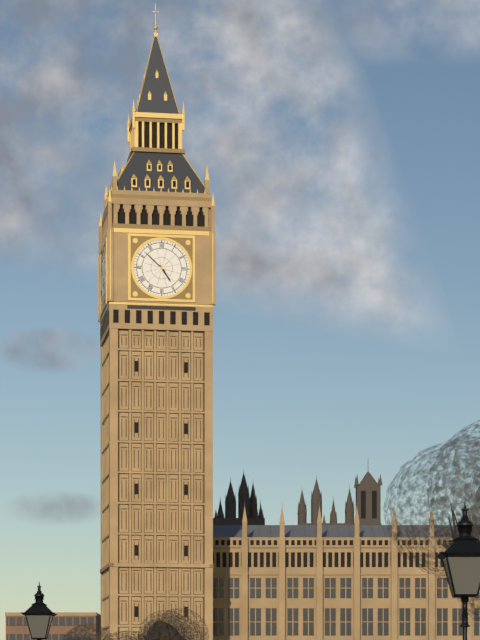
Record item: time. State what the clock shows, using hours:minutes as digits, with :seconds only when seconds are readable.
4:52
